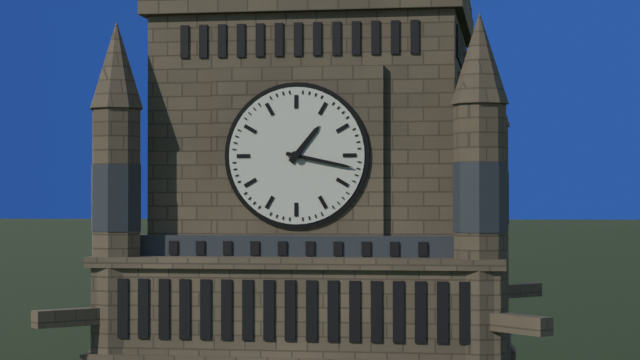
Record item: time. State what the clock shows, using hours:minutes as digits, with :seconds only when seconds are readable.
1:17
